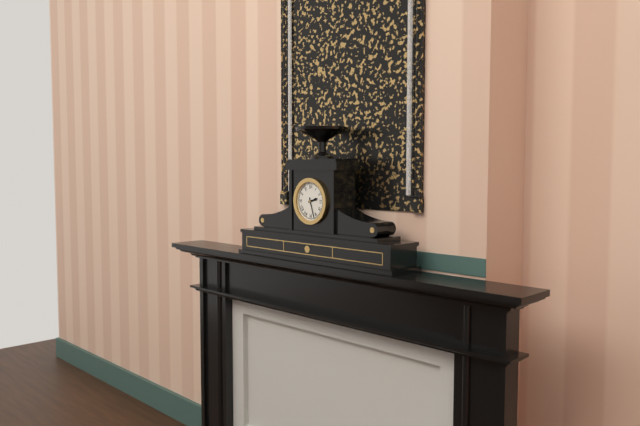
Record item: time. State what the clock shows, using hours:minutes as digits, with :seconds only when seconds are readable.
2:27
